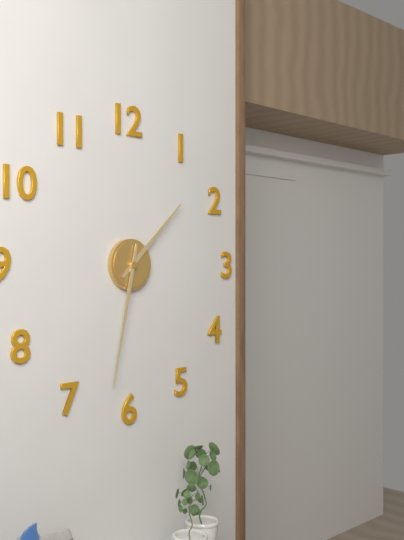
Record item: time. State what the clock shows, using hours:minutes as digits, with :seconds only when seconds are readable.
1:32
